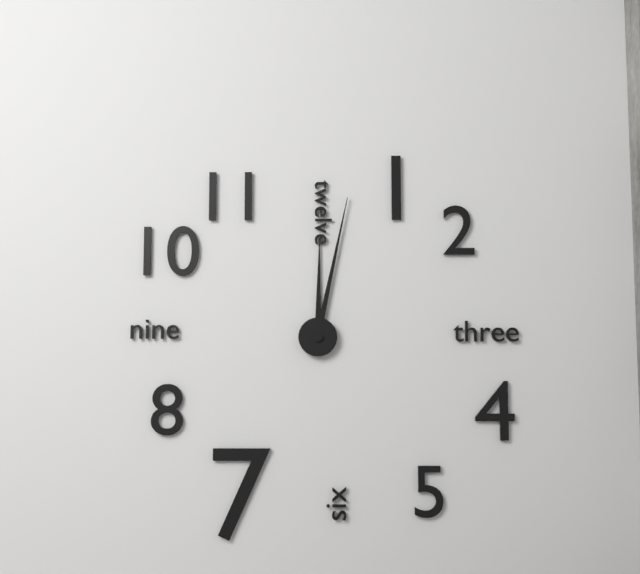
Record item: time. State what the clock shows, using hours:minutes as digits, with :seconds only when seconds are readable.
12:02
